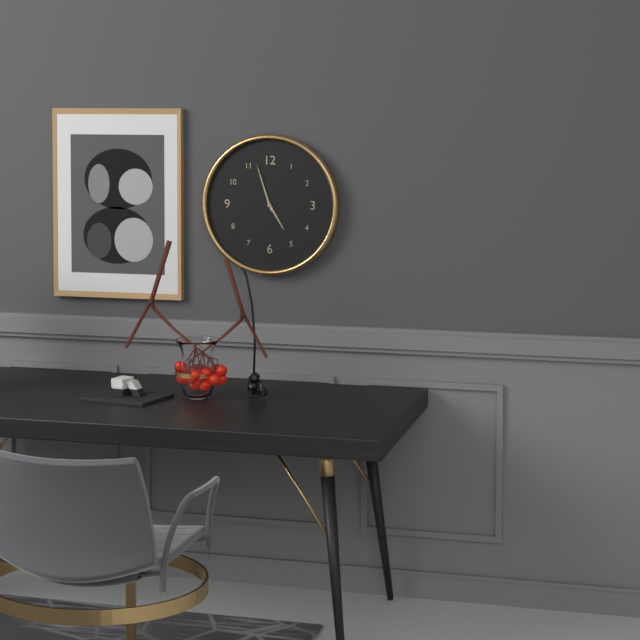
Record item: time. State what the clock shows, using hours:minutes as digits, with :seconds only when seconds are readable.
4:57
